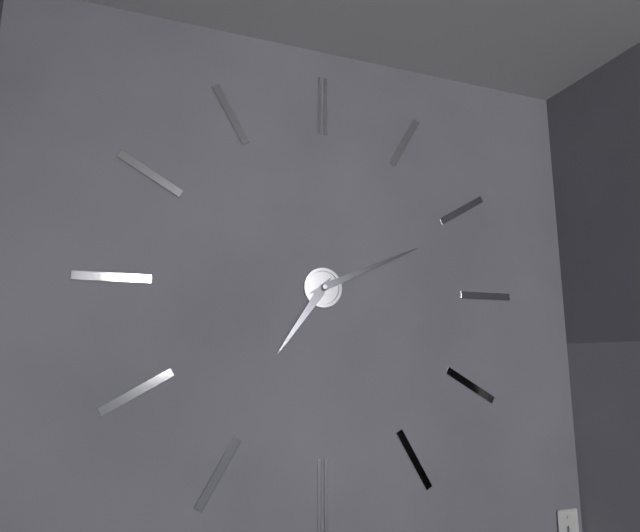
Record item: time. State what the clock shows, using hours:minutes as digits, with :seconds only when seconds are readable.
7:11
